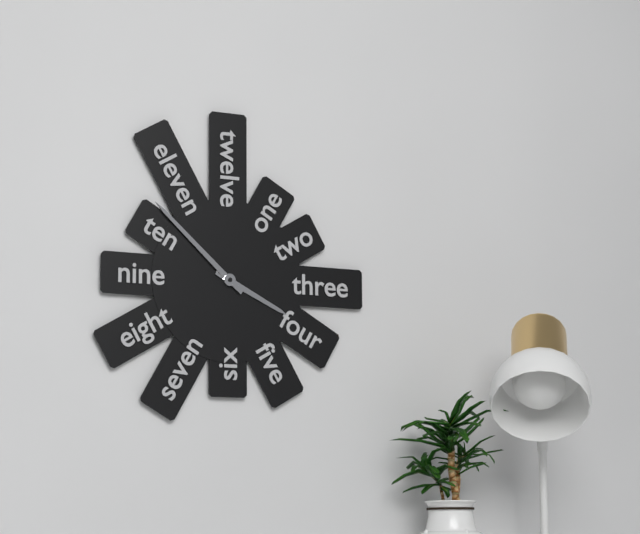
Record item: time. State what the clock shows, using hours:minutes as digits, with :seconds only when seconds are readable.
3:52
